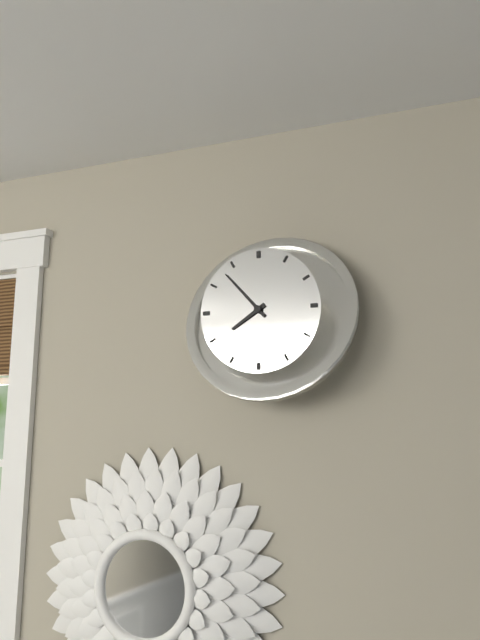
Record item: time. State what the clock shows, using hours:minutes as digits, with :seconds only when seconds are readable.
7:53
